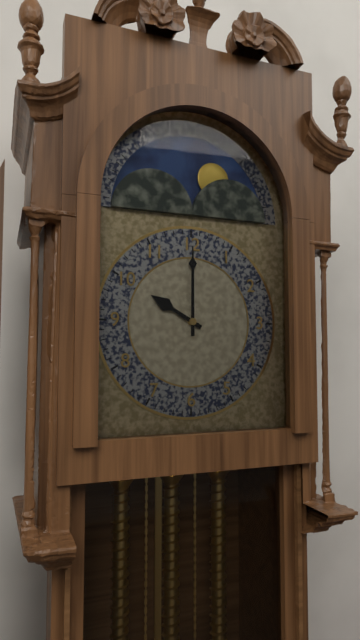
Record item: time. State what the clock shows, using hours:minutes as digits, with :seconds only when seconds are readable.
10:00
